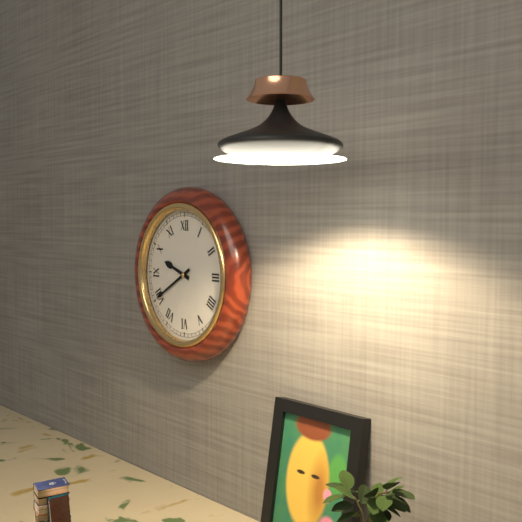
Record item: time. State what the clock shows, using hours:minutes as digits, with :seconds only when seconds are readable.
9:40
